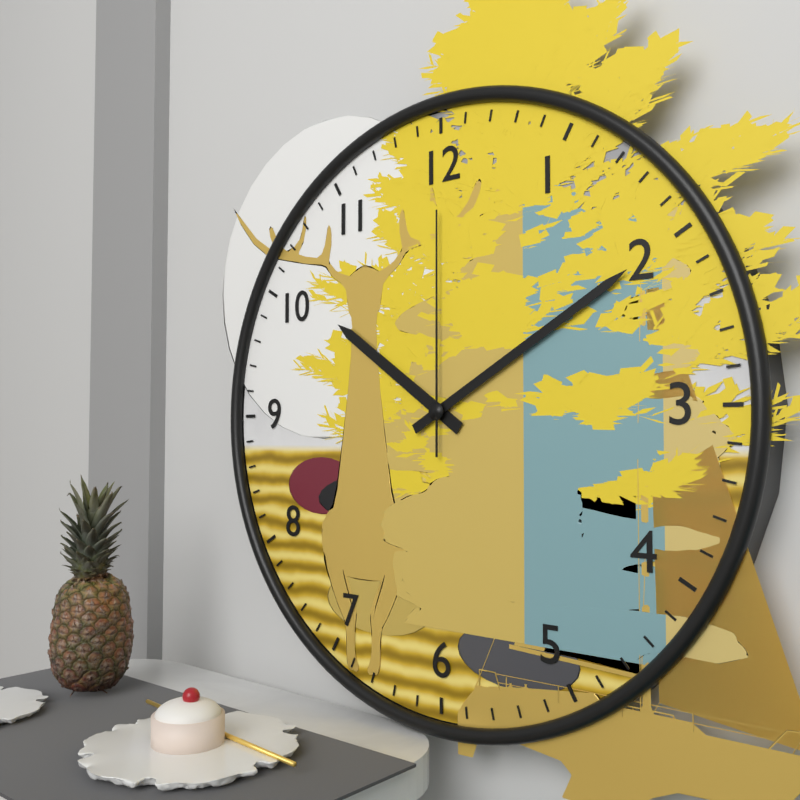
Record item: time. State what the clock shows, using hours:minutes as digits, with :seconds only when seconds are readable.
10:10:00
